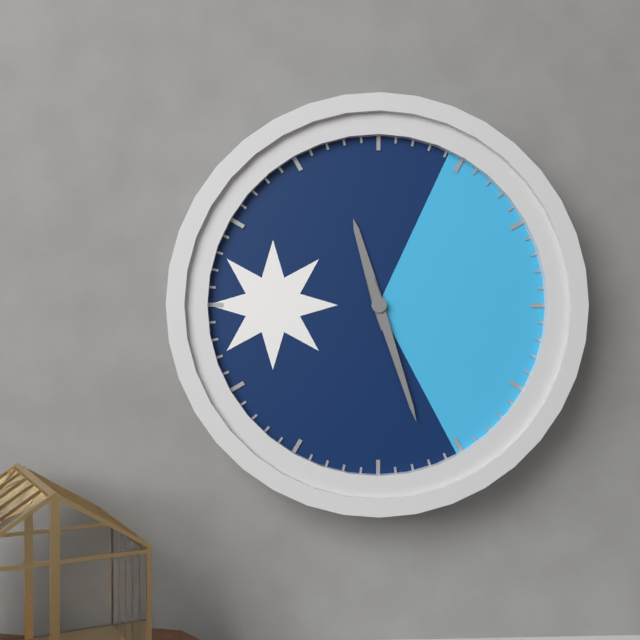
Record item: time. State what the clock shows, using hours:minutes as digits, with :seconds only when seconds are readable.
11:27
